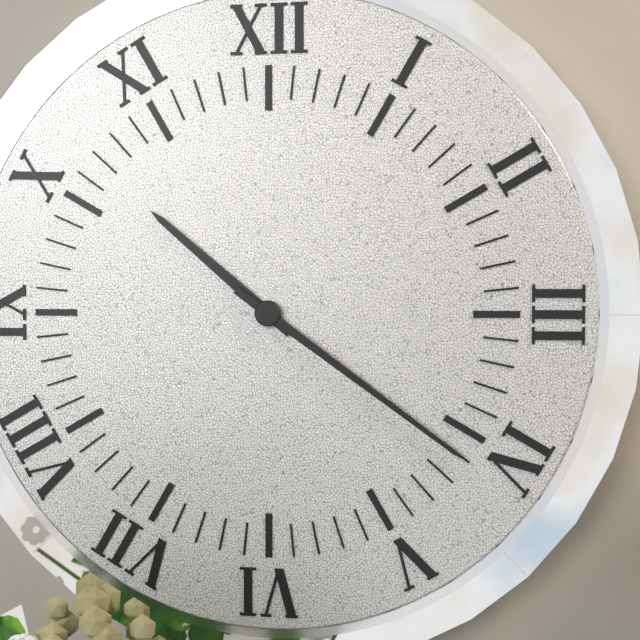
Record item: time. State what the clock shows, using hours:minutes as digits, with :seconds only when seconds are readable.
10:21
